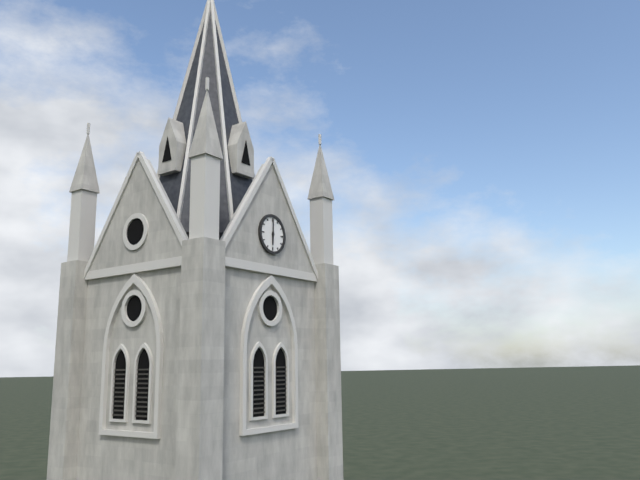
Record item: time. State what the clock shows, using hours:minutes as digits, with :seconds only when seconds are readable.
6:00
